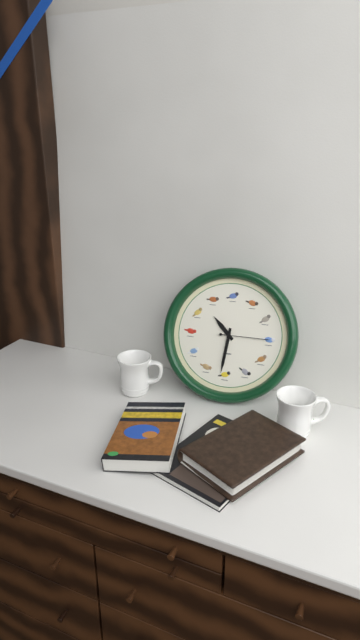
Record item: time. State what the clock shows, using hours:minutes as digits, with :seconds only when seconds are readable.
10:31:15
